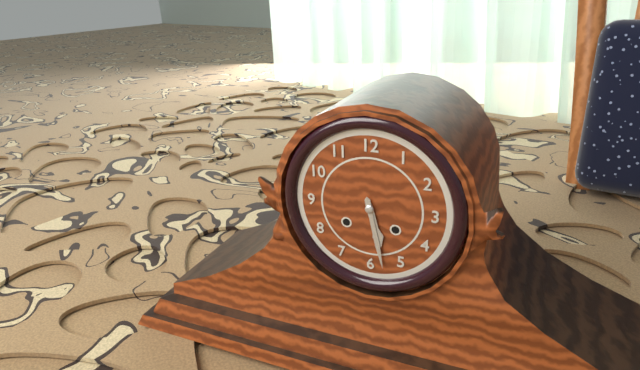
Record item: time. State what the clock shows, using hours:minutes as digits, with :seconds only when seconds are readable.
5:28
